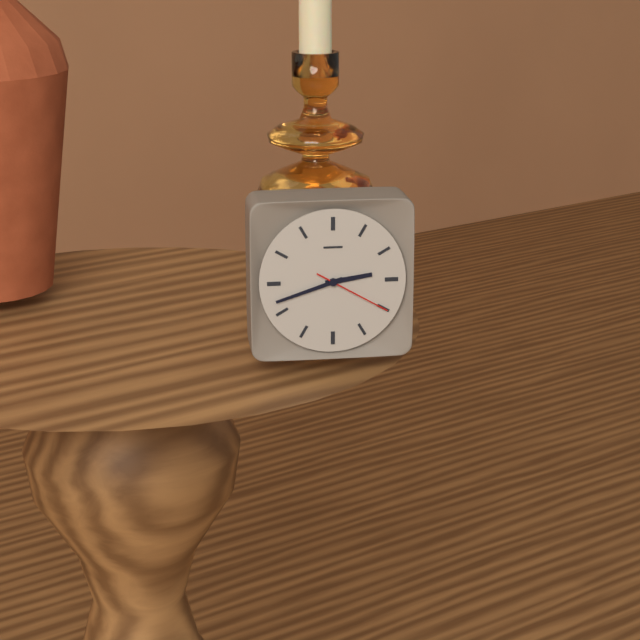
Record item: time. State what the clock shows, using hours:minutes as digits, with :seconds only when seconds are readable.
2:42:20
